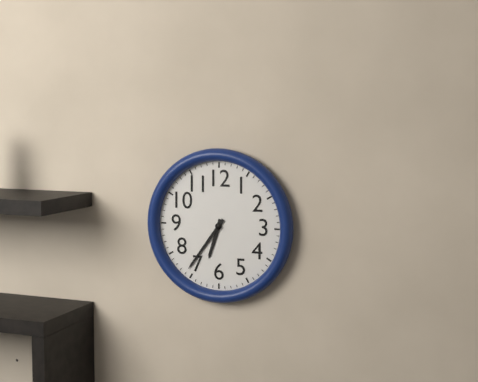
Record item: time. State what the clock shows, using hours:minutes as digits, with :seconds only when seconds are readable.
6:36
